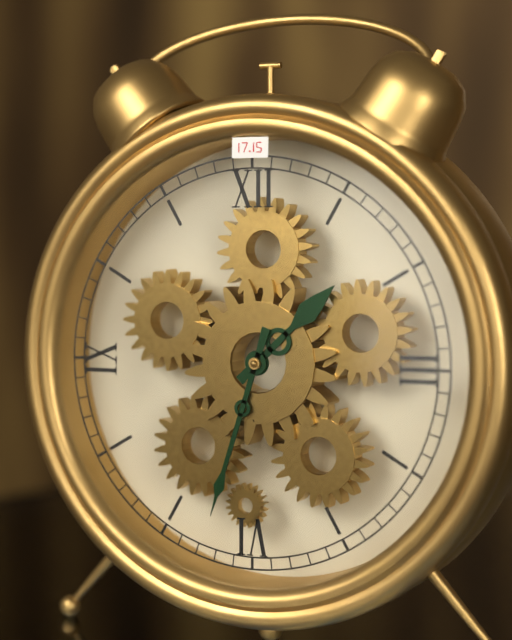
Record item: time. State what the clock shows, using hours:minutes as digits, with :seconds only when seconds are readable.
1:33
